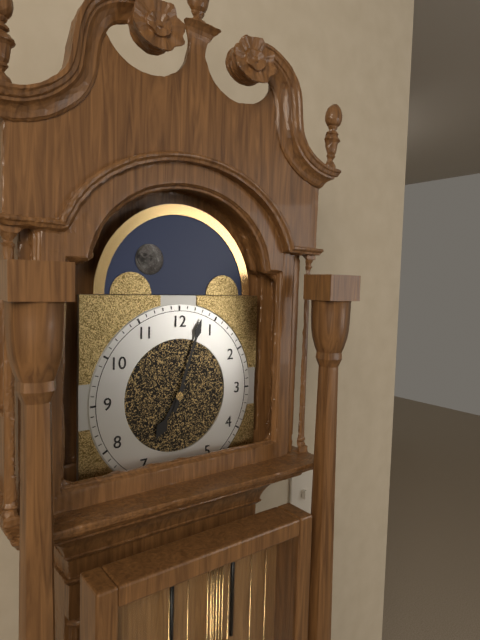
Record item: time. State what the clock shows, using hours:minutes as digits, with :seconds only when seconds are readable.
7:03
